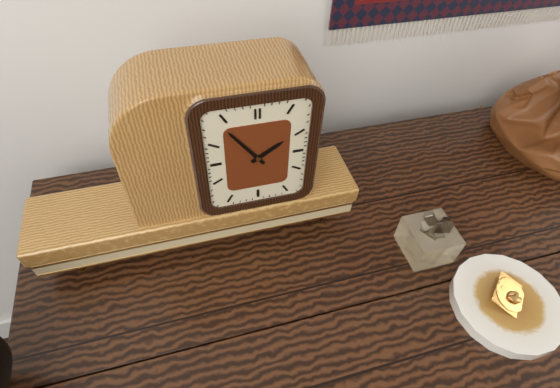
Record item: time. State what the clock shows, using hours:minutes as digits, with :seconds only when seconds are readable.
1:54
